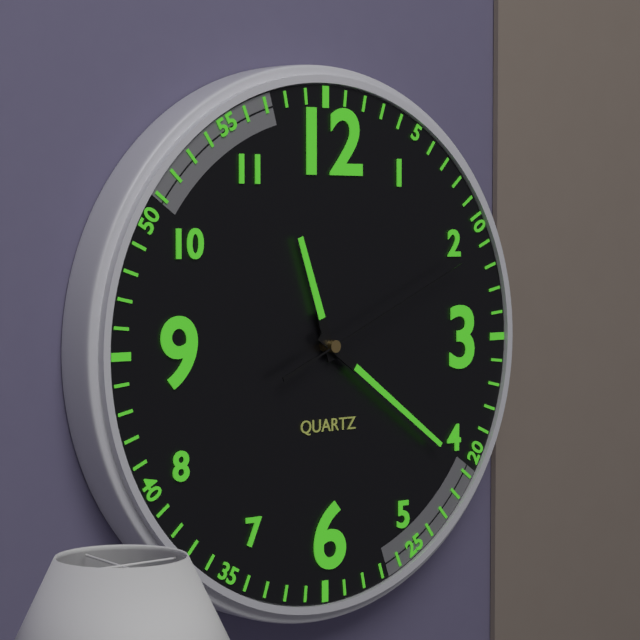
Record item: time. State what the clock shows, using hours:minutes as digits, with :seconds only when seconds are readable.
11:21:11
